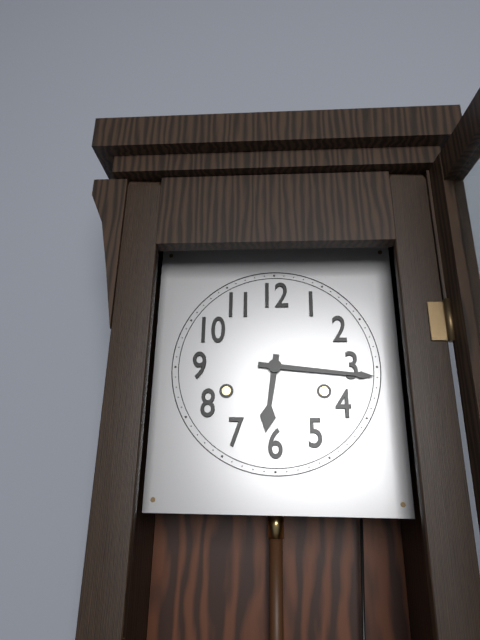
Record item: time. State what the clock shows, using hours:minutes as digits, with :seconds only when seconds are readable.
6:16
